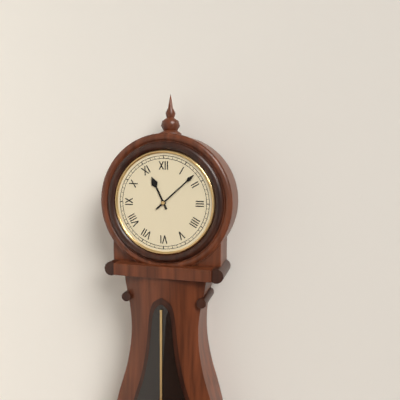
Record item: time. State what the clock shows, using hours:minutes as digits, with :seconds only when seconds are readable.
11:08
